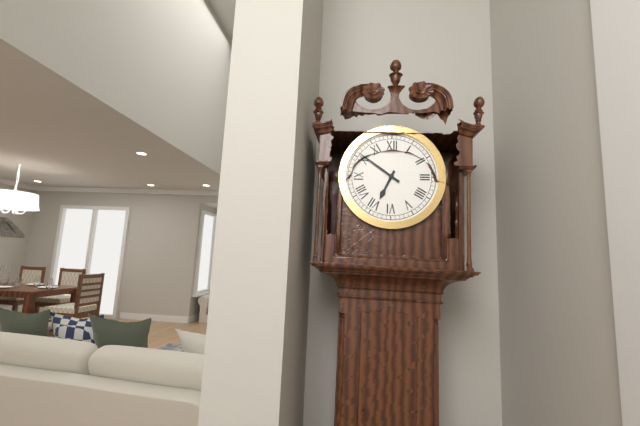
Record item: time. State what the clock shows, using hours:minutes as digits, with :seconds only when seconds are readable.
6:51
